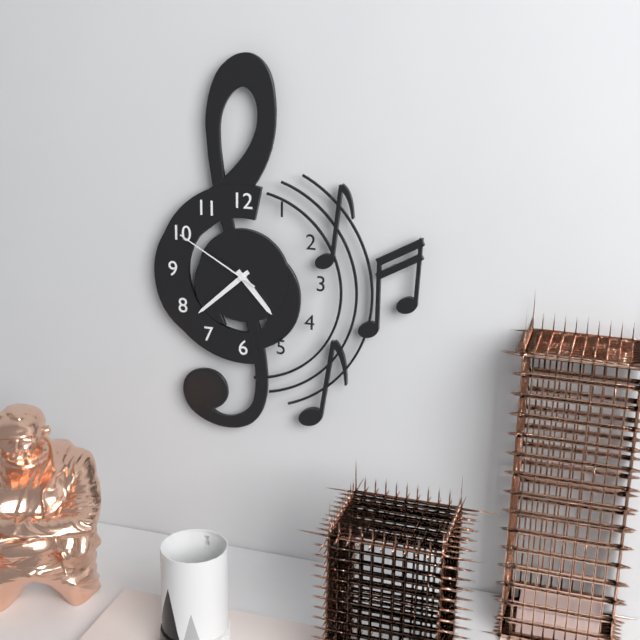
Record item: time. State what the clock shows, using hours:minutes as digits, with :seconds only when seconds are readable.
4:38:50
